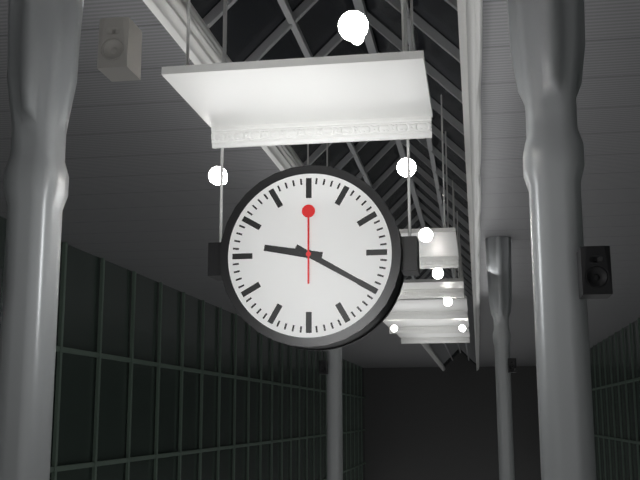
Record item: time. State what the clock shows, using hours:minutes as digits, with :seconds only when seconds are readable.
9:20:00
